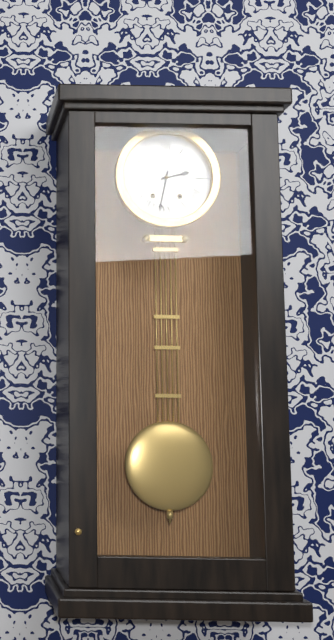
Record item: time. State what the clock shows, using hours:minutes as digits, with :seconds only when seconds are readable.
2:32
